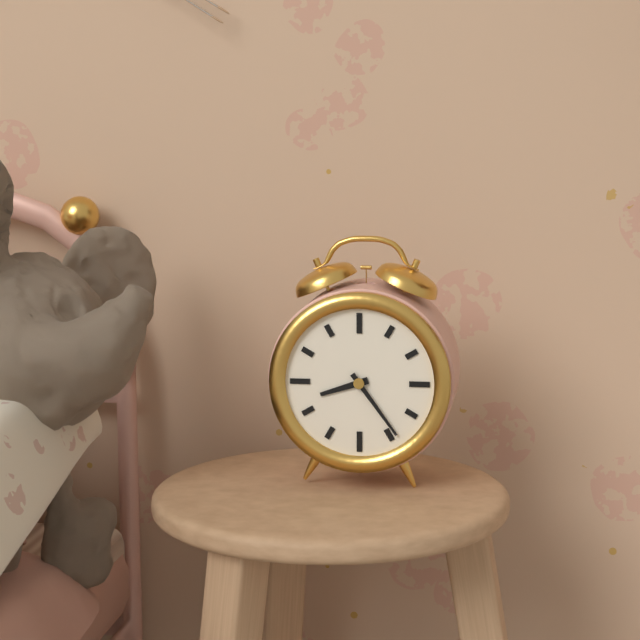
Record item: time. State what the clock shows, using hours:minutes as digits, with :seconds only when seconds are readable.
8:24
